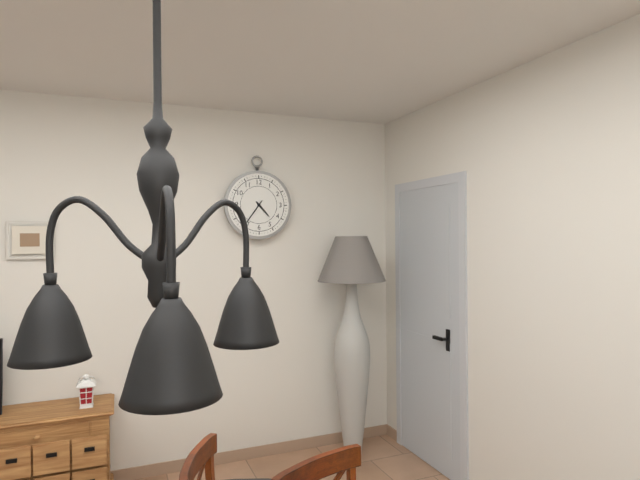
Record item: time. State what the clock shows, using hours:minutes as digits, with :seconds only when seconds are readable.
4:36
